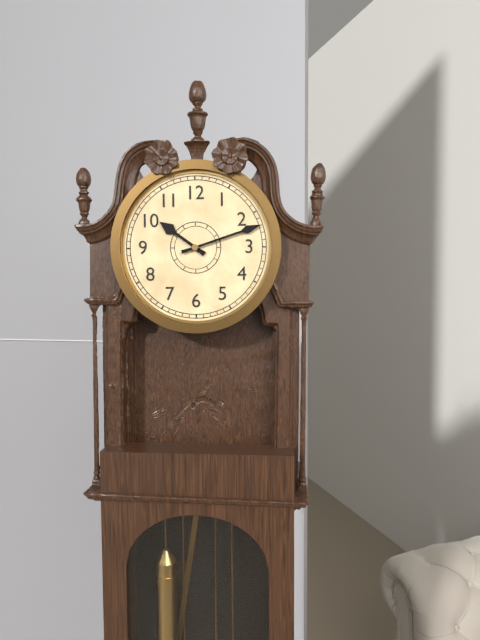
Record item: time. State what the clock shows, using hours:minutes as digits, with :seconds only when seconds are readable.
10:12
